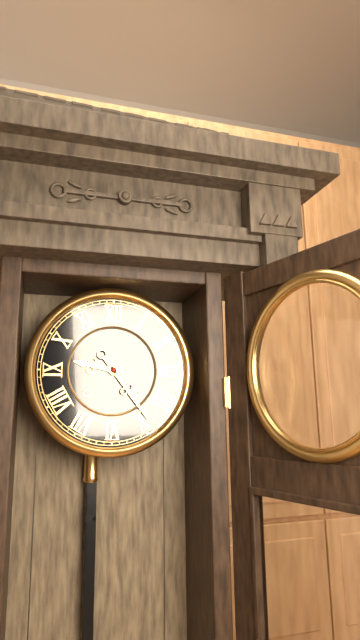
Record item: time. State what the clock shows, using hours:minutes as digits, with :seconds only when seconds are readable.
9:24
